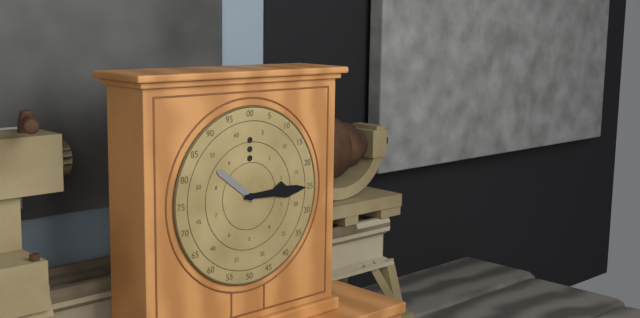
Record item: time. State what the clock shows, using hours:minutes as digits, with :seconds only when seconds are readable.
10:15
